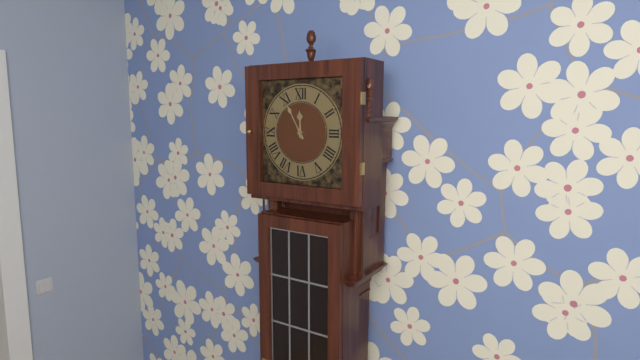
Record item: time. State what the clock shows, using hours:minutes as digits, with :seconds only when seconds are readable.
11:55
